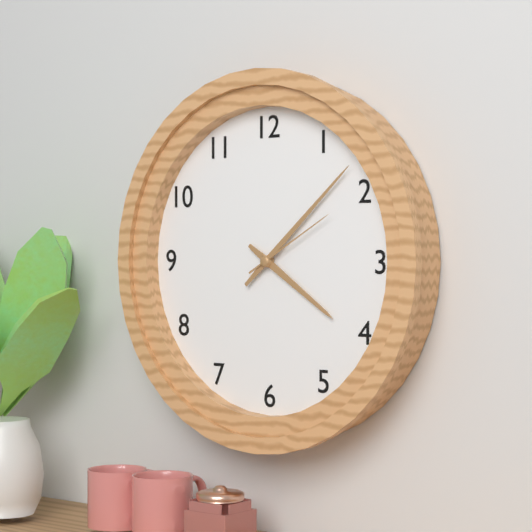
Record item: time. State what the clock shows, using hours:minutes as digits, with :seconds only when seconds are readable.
4:08:10
